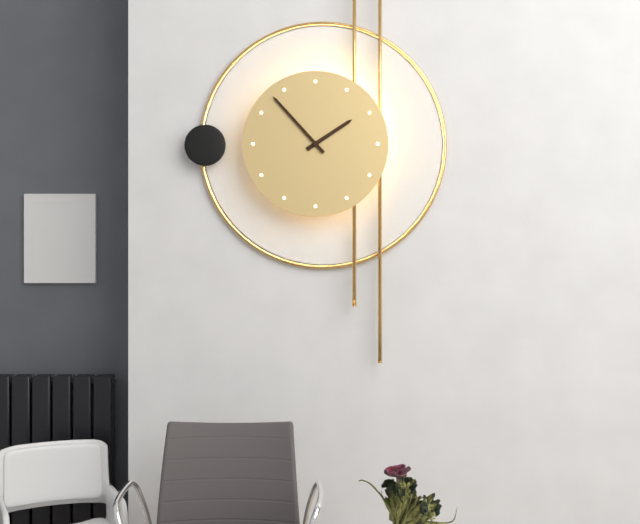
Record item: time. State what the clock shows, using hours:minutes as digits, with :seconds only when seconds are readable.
1:53
